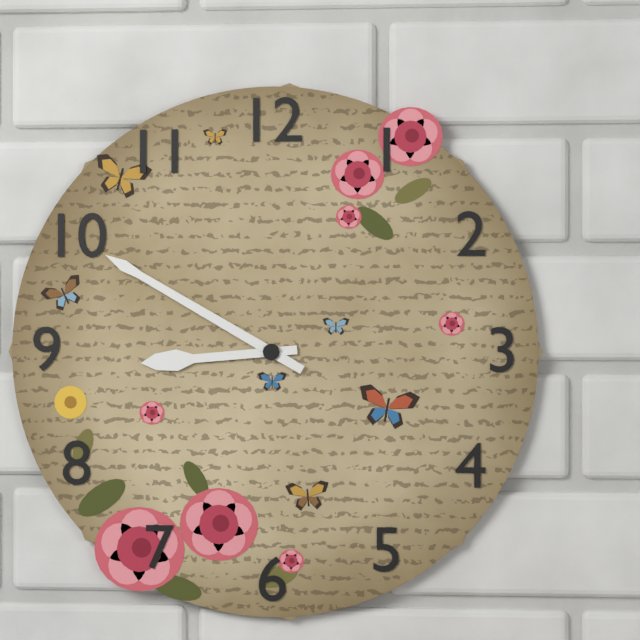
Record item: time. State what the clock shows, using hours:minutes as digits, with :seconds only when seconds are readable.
8:50
